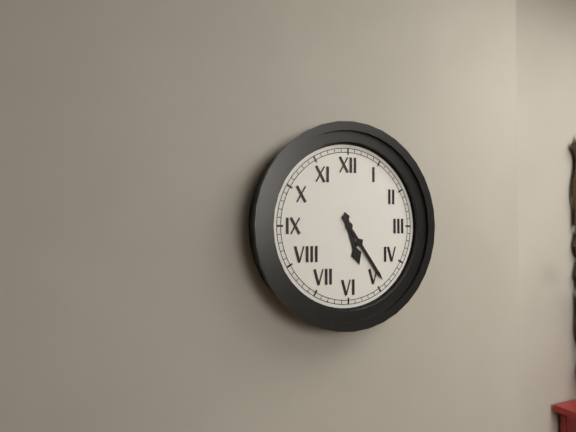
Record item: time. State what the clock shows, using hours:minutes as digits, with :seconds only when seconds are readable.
5:24
